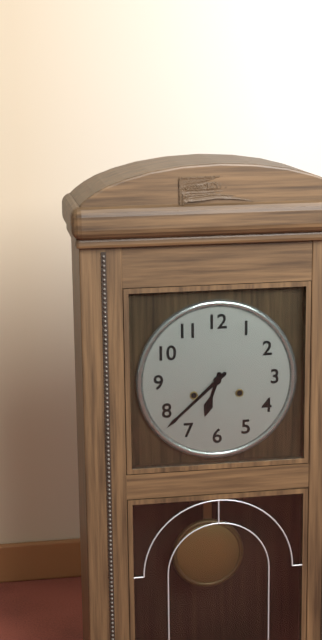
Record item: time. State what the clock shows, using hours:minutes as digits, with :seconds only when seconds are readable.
6:38
